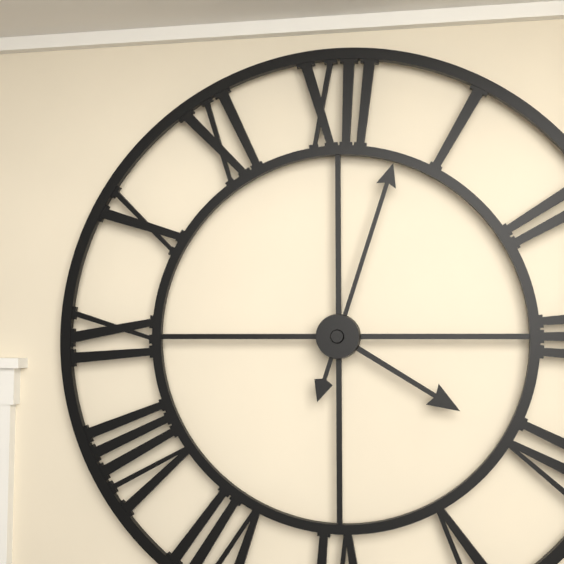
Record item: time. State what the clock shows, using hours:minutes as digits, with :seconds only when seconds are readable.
4:03
